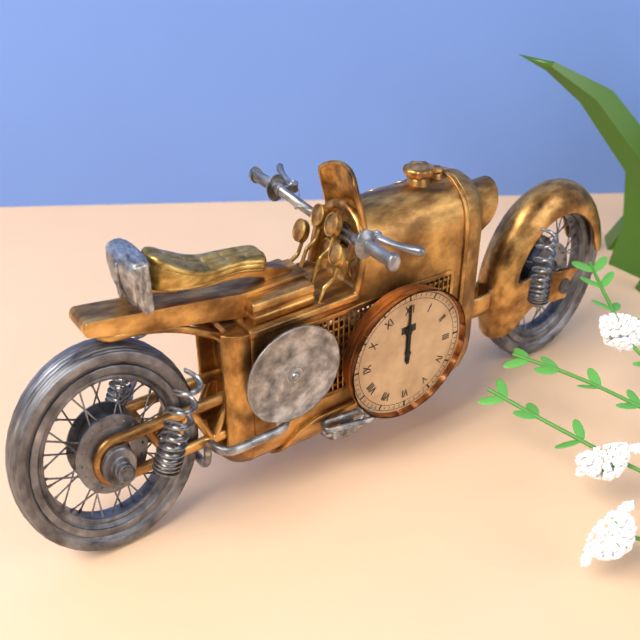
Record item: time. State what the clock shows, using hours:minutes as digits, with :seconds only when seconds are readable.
12:00
